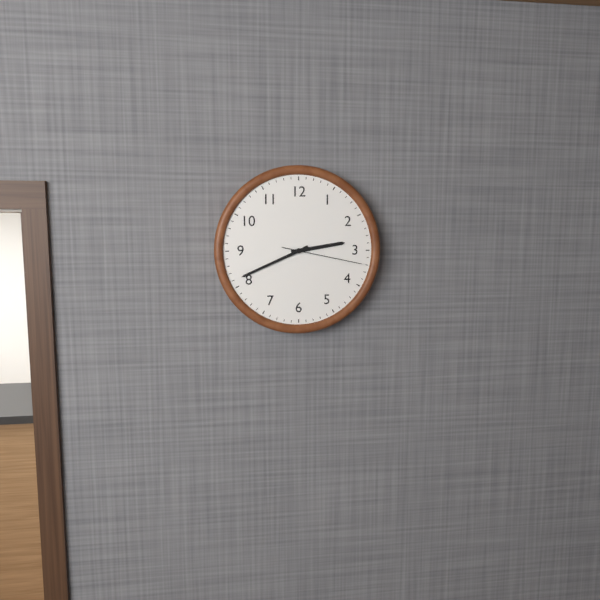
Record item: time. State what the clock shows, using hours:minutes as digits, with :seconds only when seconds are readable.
2:41:17
